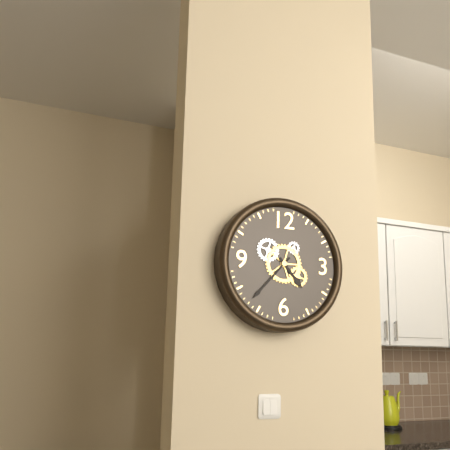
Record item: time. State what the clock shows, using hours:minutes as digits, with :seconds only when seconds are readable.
4:37
